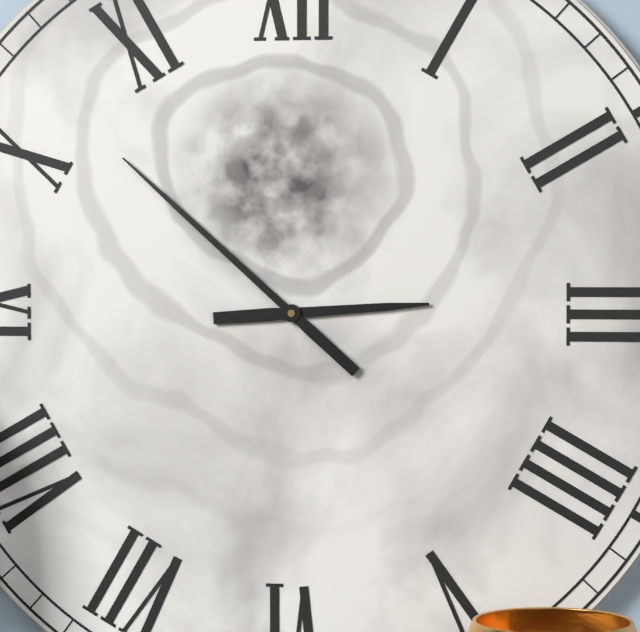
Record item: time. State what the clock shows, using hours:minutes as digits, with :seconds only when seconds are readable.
2:52
